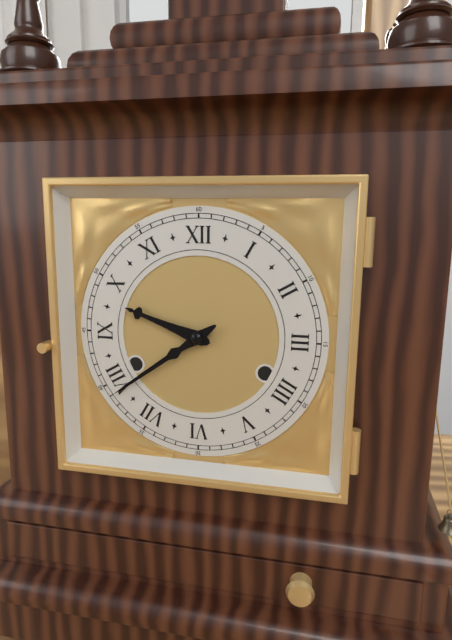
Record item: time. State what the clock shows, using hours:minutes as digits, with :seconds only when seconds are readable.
9:39
